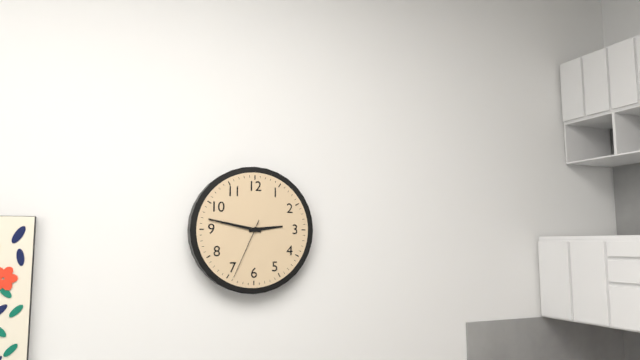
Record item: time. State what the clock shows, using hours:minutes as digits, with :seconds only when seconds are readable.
2:47:34
